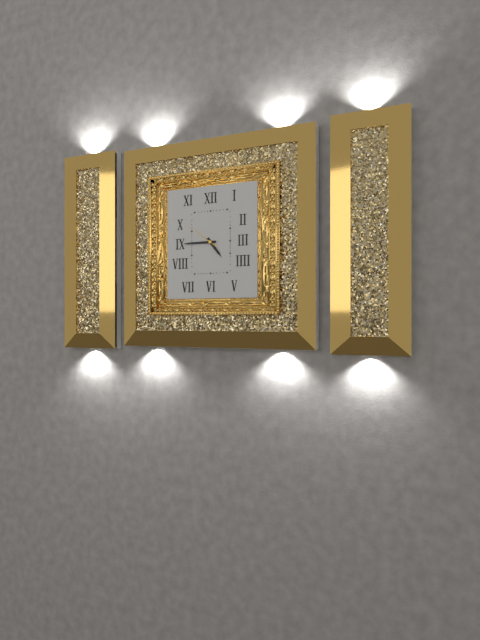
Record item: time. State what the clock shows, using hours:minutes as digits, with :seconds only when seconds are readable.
4:45
